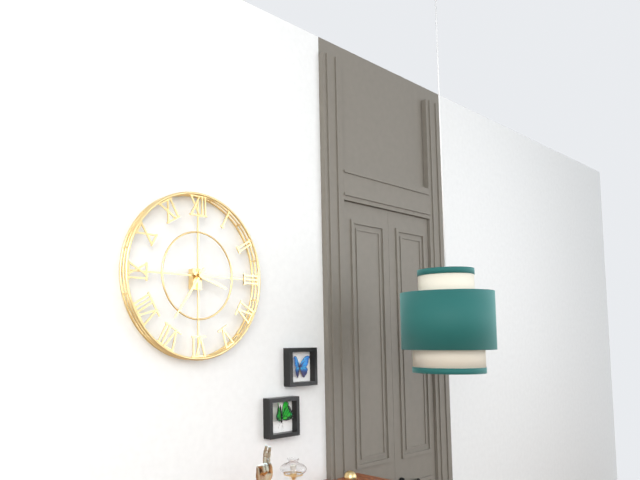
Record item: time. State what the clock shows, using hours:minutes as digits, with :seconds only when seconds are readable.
3:36
